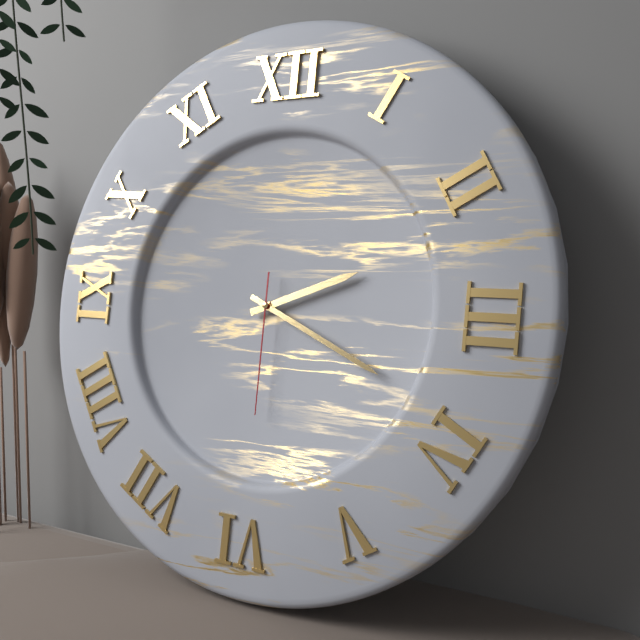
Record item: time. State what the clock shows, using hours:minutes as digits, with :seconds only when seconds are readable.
2:19:30
